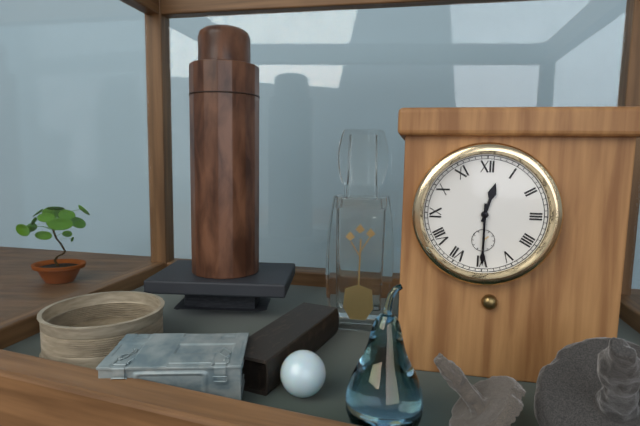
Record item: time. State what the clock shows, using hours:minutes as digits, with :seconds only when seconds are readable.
12:30
